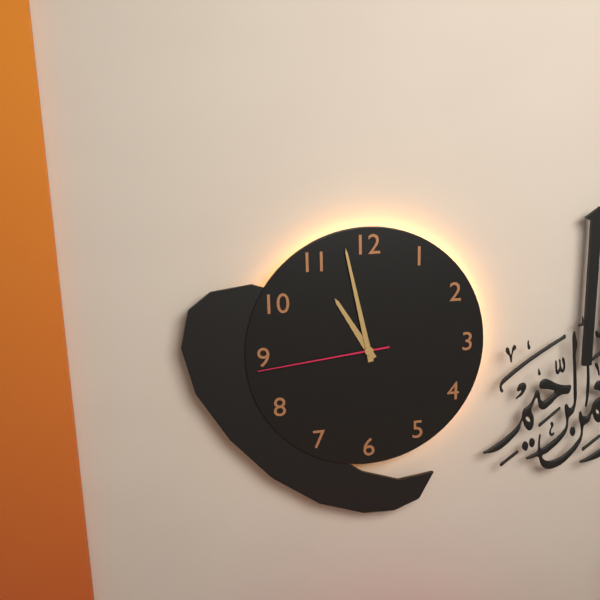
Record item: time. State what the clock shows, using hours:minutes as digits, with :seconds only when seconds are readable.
10:58:44
